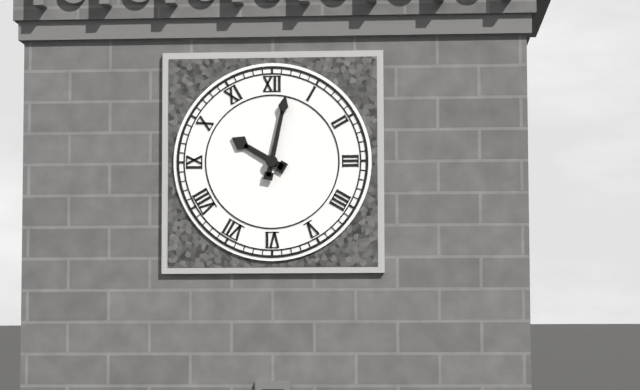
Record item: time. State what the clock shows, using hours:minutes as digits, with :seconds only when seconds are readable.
10:02
